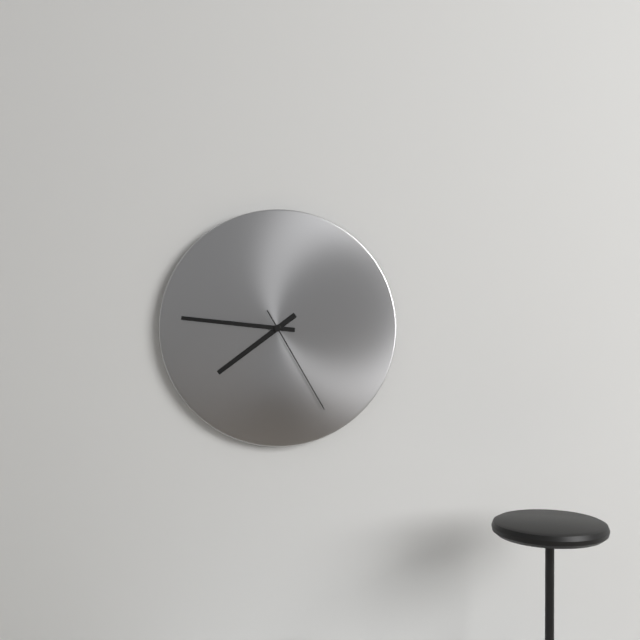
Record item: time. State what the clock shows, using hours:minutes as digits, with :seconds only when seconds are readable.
7:46:25
